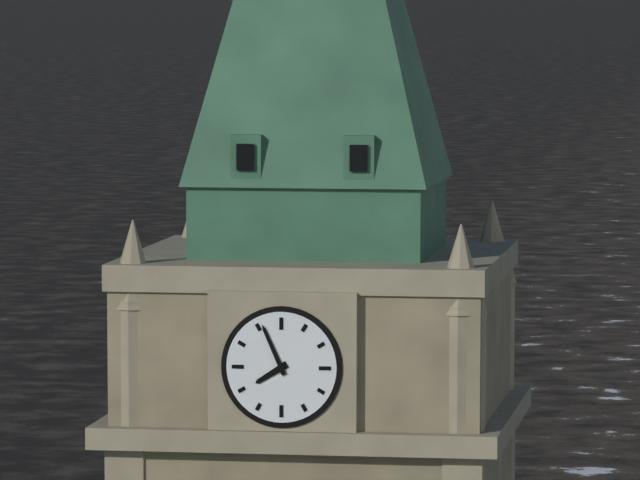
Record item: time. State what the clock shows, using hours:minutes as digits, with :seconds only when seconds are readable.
7:56
